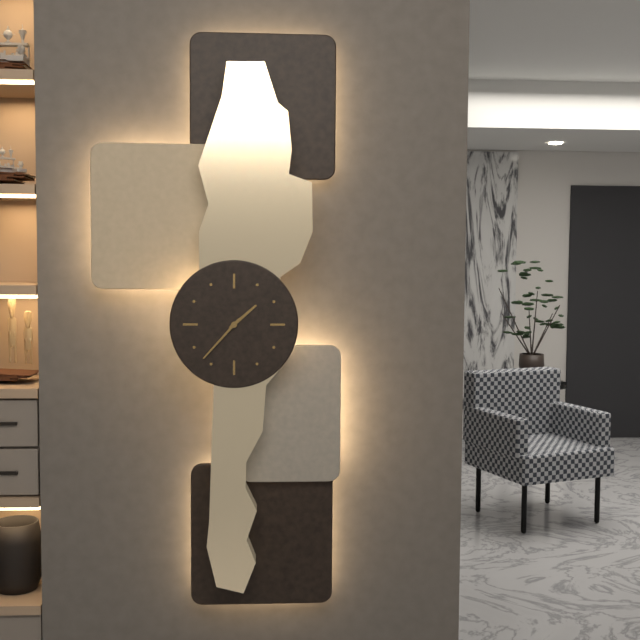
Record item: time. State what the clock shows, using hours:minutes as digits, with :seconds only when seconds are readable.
1:37
